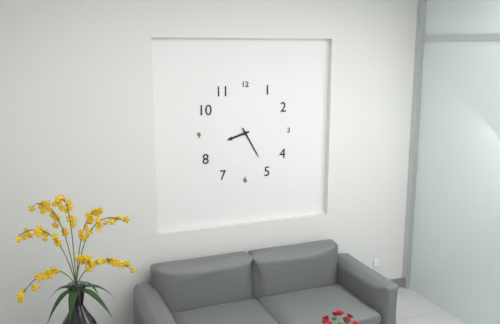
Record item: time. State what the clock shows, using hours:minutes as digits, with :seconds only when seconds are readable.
8:25
